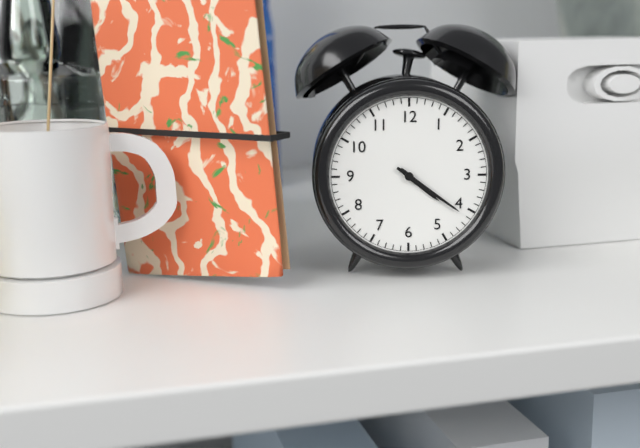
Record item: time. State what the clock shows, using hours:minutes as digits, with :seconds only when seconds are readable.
4:21
